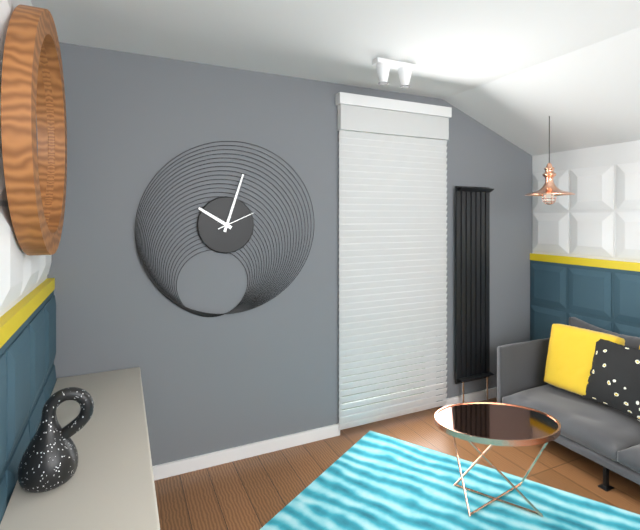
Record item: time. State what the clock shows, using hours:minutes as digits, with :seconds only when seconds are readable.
10:03
